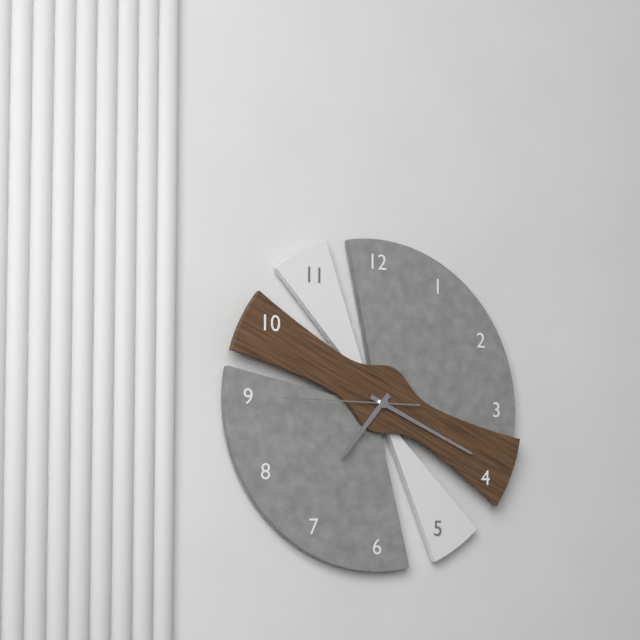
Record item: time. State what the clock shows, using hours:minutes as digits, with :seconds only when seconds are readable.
7:19:45
